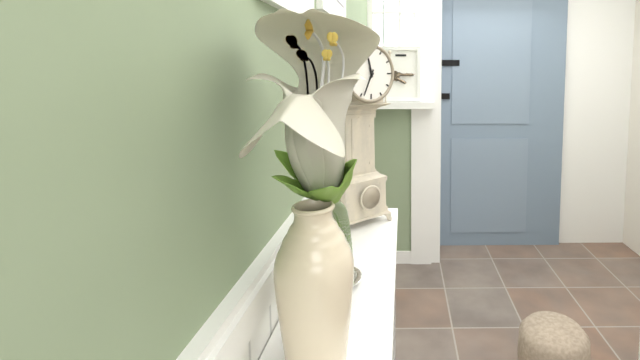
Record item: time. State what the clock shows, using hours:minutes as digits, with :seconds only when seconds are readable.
11:34
